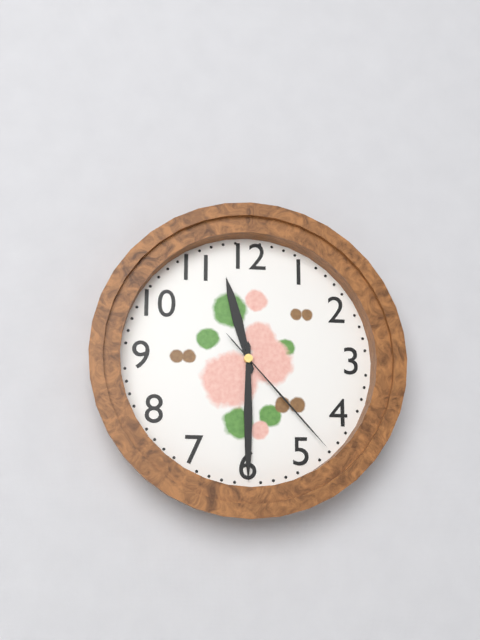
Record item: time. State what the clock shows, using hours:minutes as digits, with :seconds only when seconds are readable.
11:30:23
